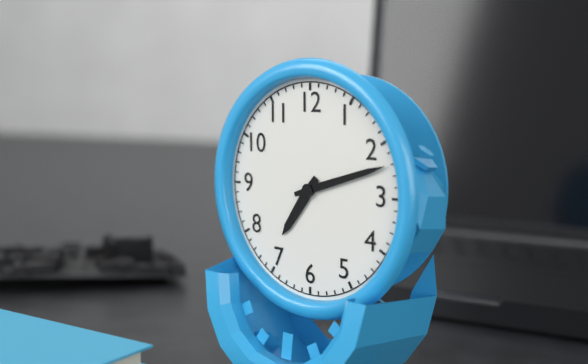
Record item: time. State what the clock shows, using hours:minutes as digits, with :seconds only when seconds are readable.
7:12
